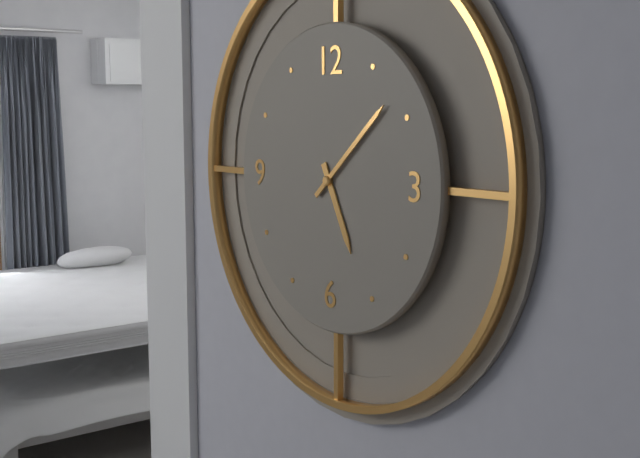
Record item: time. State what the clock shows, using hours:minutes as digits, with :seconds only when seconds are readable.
5:08
